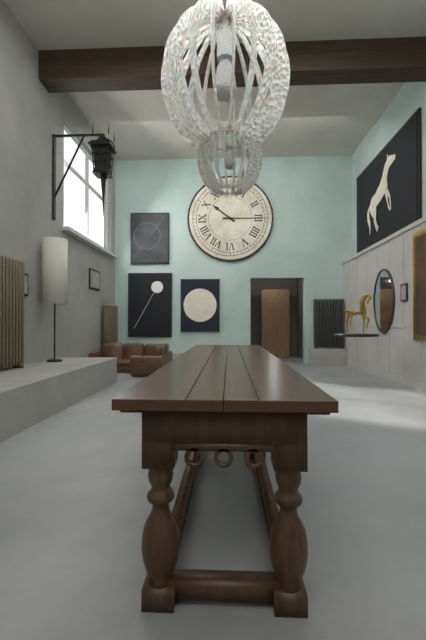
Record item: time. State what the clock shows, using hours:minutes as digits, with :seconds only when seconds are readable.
10:15
